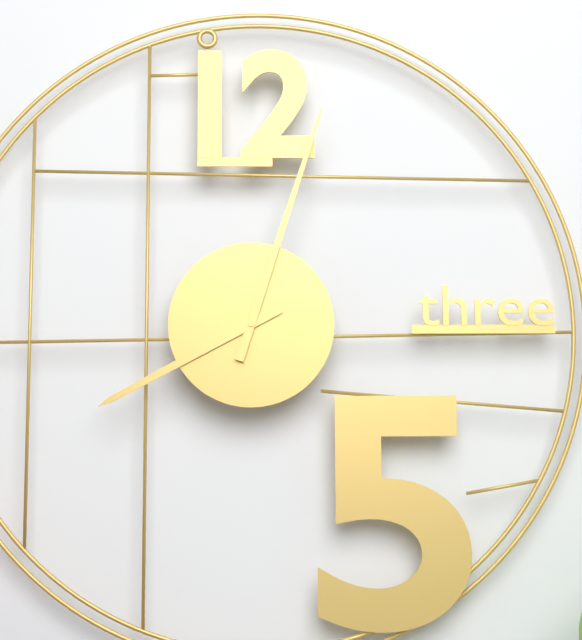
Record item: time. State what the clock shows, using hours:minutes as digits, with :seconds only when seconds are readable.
8:03
